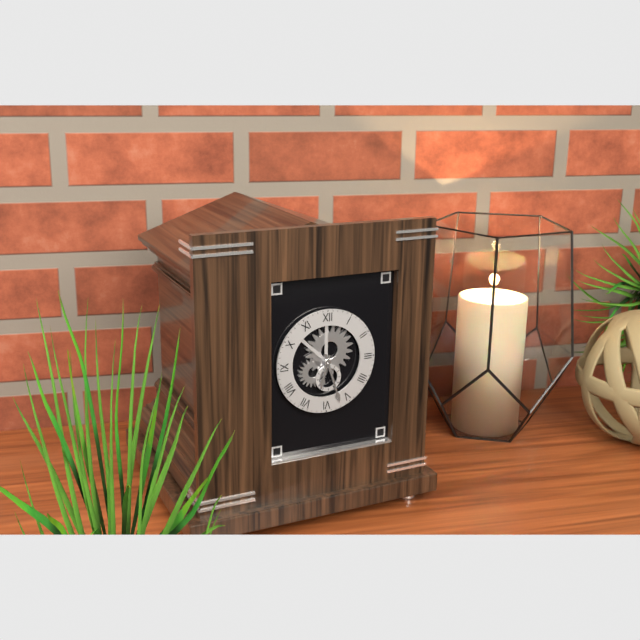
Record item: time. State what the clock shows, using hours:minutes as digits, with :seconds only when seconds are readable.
6:27
